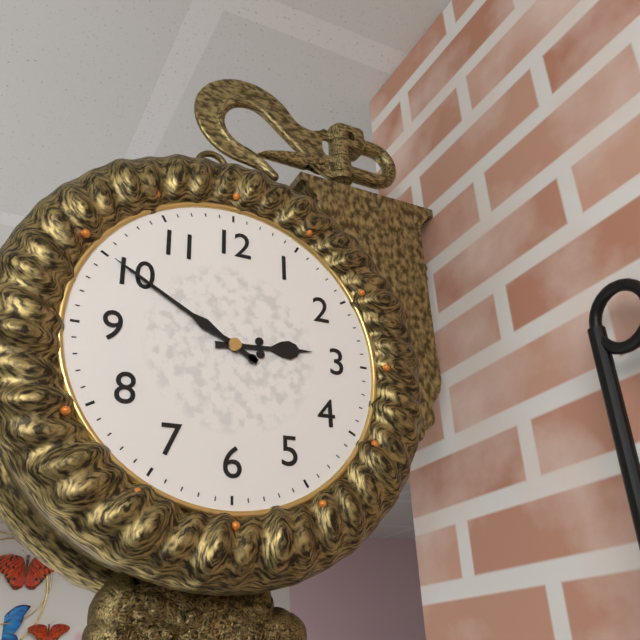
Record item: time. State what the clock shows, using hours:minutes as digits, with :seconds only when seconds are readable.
2:50
